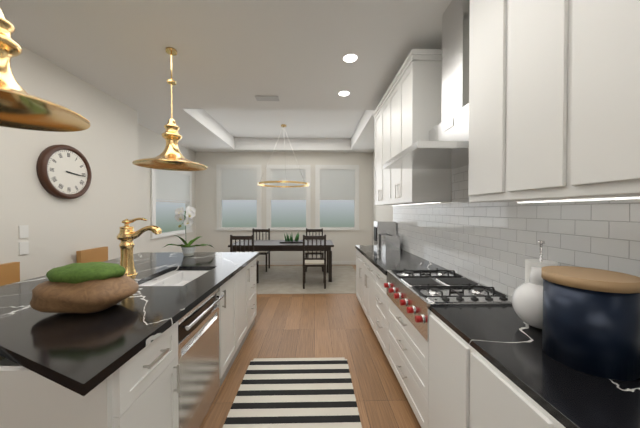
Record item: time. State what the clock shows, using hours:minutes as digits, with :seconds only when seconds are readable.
3:16
